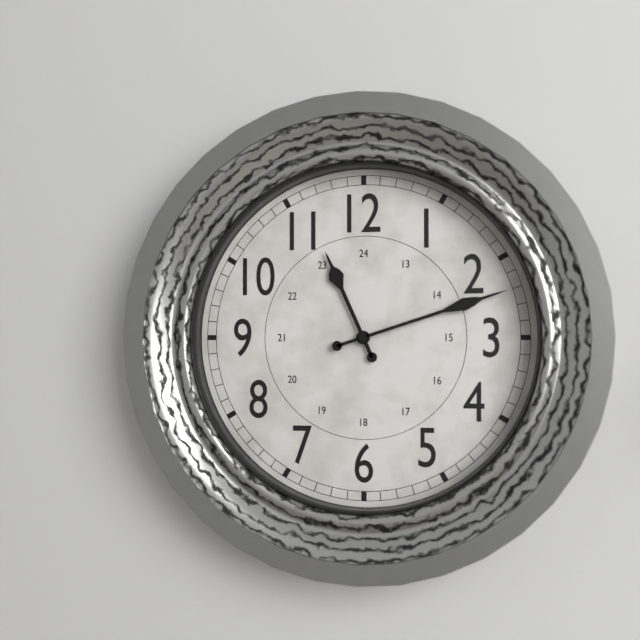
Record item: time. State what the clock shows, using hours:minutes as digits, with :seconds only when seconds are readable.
11:12
